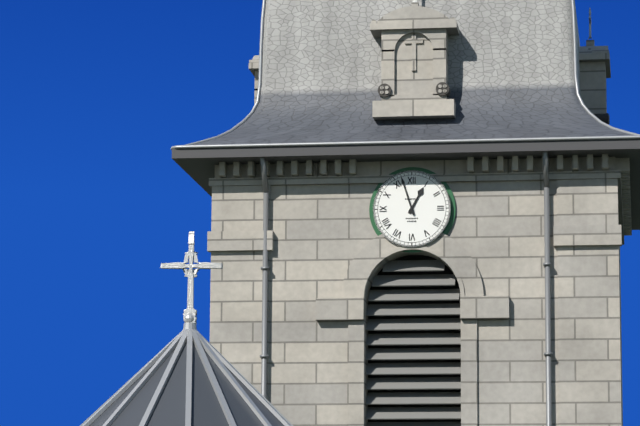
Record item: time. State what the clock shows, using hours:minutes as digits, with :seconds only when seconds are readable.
12:57
